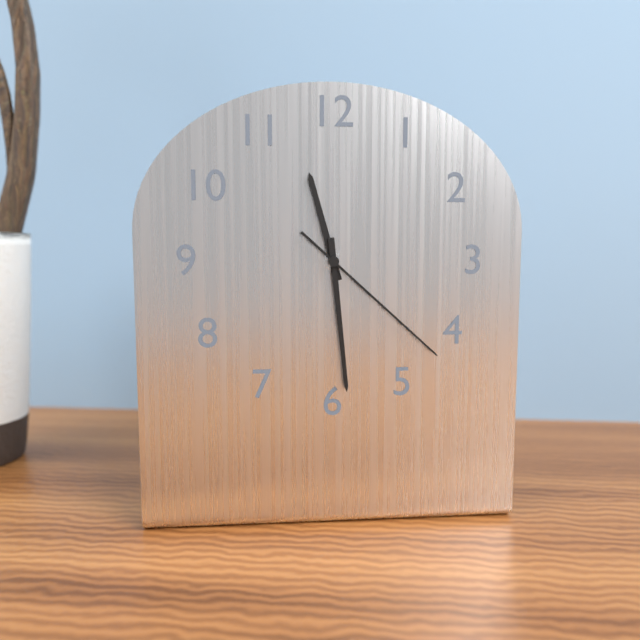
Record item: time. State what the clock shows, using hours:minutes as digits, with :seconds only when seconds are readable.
11:29:22
